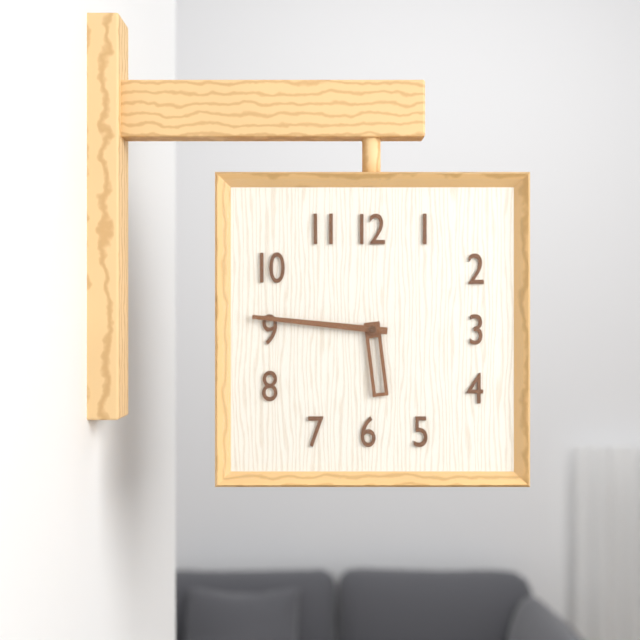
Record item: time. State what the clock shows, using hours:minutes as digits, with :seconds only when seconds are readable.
5:46
